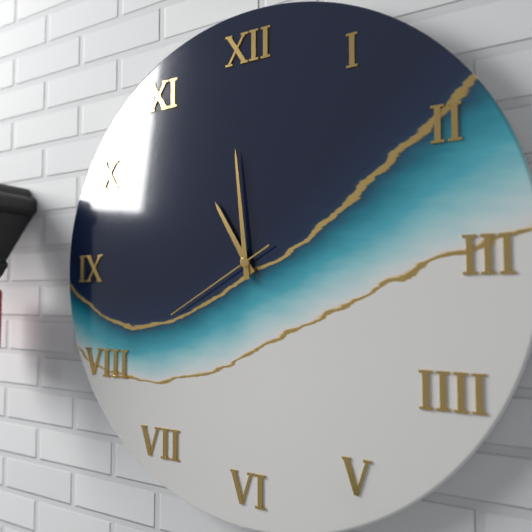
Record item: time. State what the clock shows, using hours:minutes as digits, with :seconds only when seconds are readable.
10:59:40
